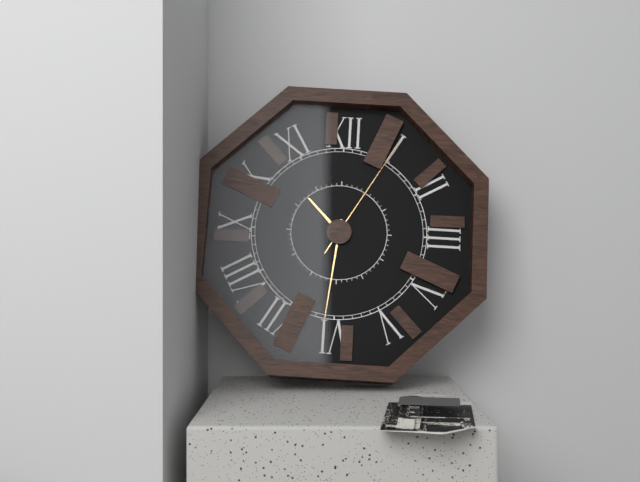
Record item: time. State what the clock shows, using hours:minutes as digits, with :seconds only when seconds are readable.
10:31:05
